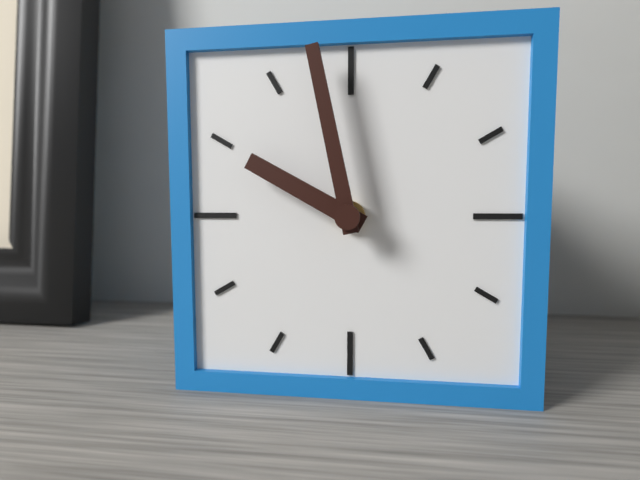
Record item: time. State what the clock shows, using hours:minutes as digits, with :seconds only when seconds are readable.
9:58
